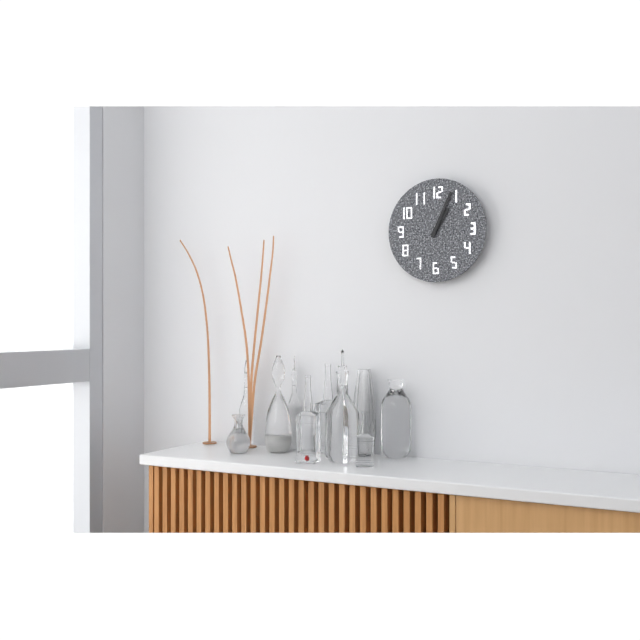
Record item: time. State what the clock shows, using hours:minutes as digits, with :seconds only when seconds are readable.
1:04
